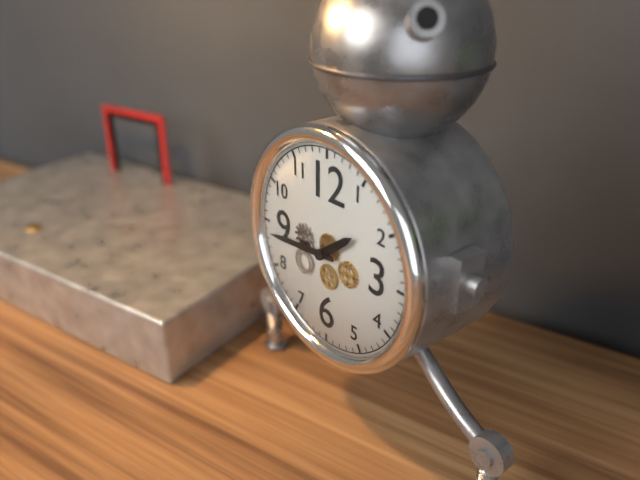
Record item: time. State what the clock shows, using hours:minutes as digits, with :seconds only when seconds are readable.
1:44
